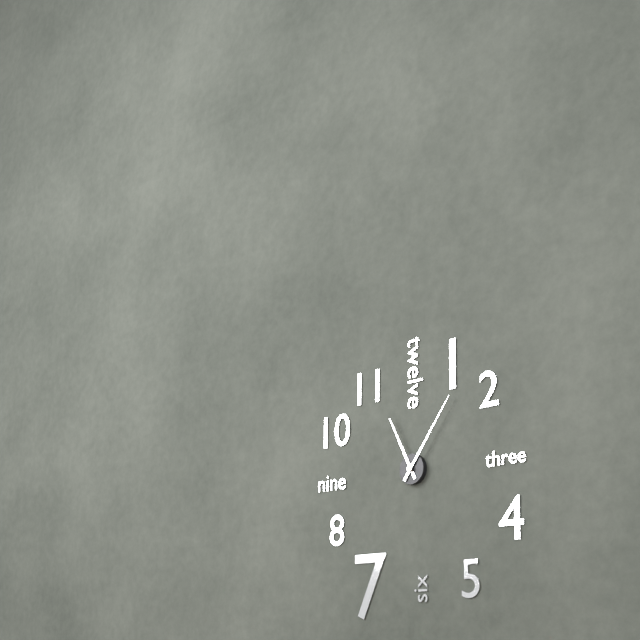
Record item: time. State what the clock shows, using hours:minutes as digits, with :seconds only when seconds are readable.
11:06
